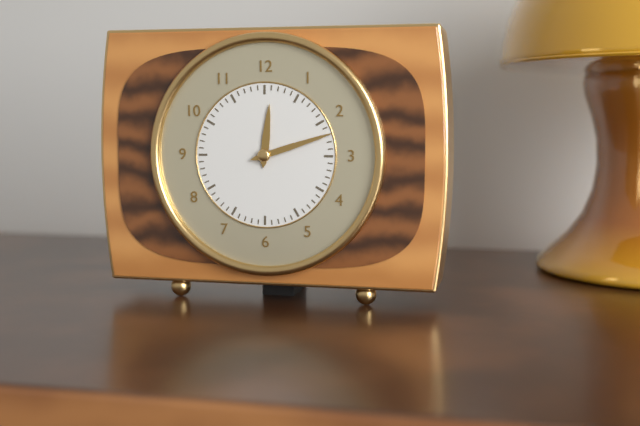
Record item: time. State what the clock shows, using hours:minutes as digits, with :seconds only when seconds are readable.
12:12
